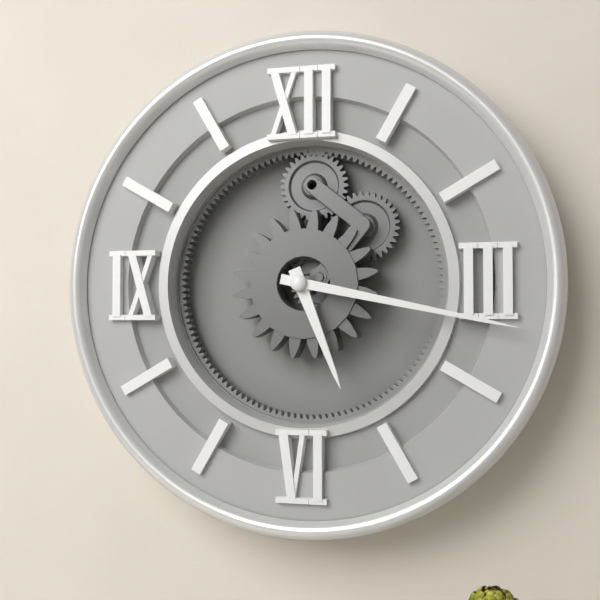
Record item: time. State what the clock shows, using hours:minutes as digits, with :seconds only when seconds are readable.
5:17
